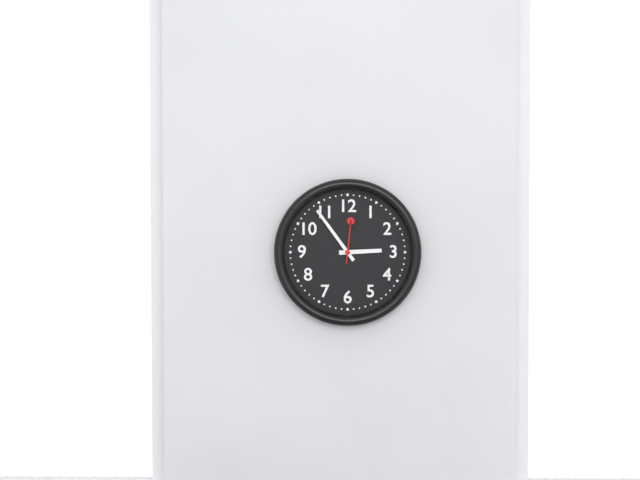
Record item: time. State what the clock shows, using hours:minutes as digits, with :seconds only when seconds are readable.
2:54
